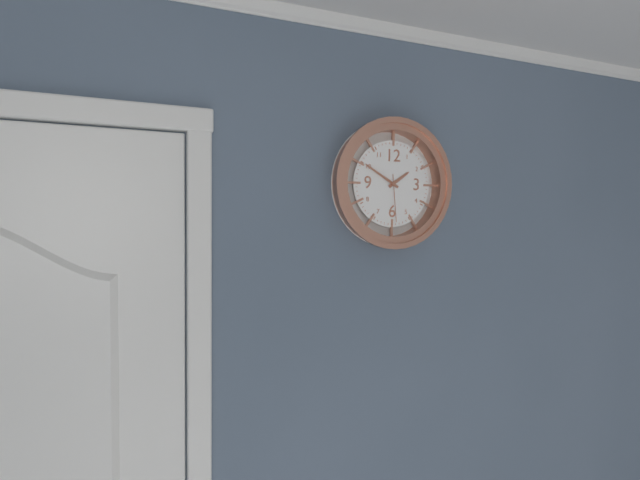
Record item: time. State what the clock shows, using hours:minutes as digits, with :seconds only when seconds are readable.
1:50
